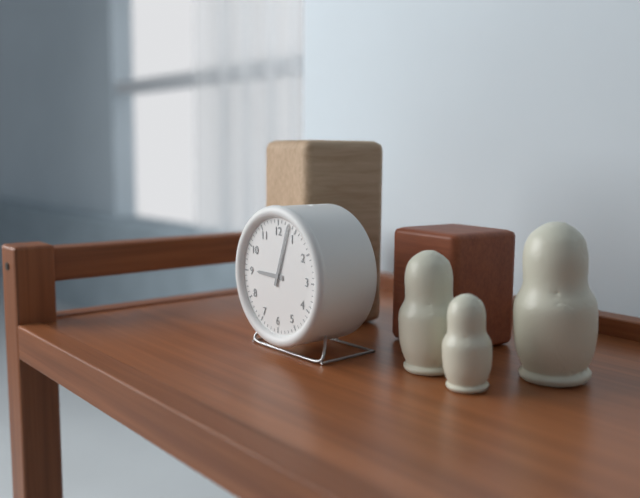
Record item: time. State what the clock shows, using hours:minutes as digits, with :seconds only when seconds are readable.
9:03
